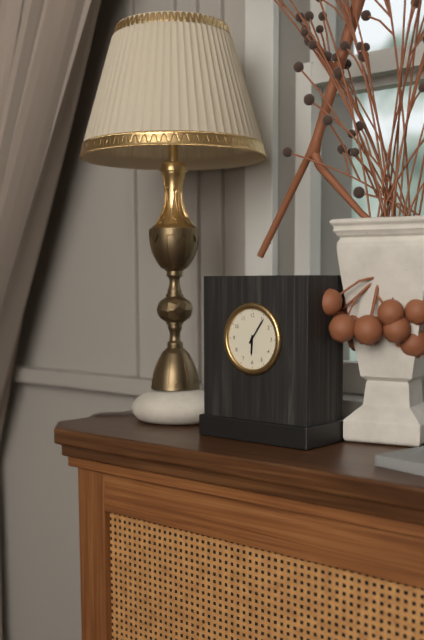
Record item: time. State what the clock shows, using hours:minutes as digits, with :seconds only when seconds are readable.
6:06
